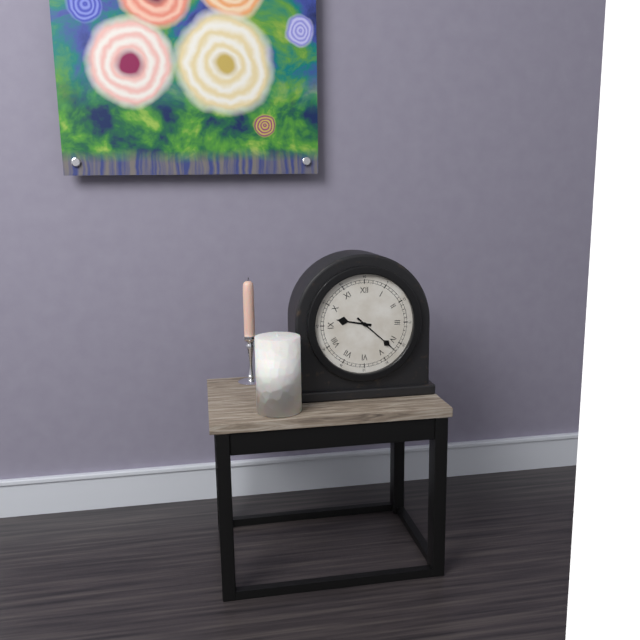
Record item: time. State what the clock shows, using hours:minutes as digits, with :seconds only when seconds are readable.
9:22
